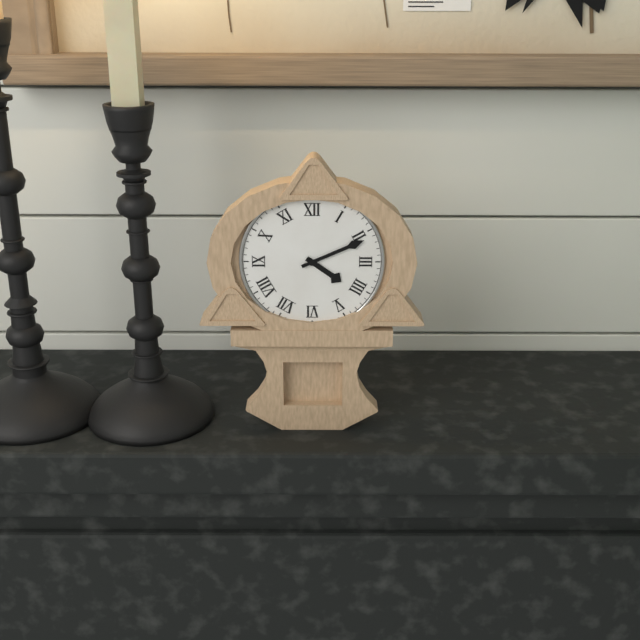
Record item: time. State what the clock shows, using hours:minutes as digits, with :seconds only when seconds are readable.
4:11
